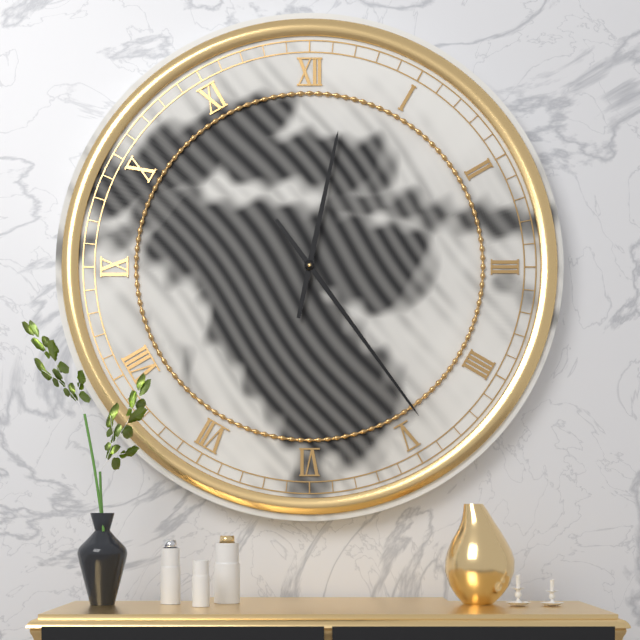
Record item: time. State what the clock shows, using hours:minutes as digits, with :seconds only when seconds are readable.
12:24
